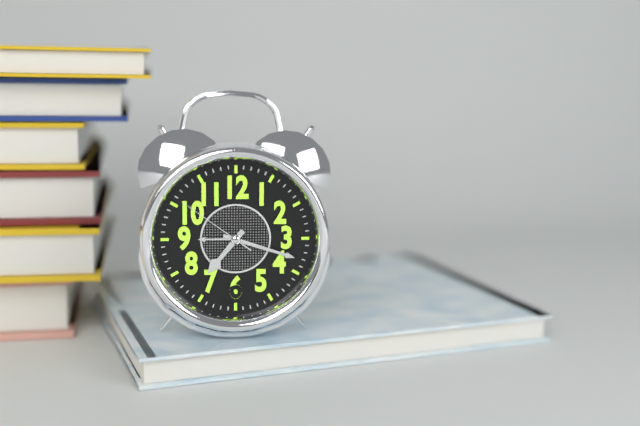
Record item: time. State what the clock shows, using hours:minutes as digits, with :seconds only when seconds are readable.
7:18:51
